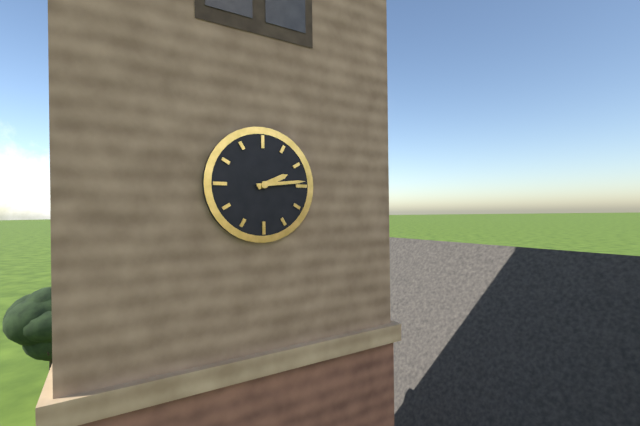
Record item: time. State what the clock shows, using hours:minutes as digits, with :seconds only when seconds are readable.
2:14
